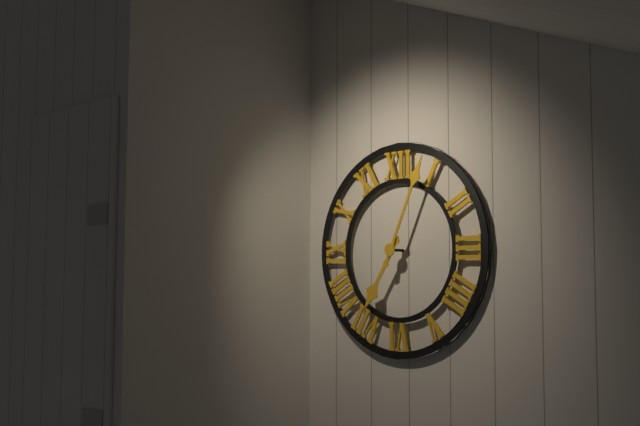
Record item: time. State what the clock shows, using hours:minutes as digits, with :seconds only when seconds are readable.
7:04
